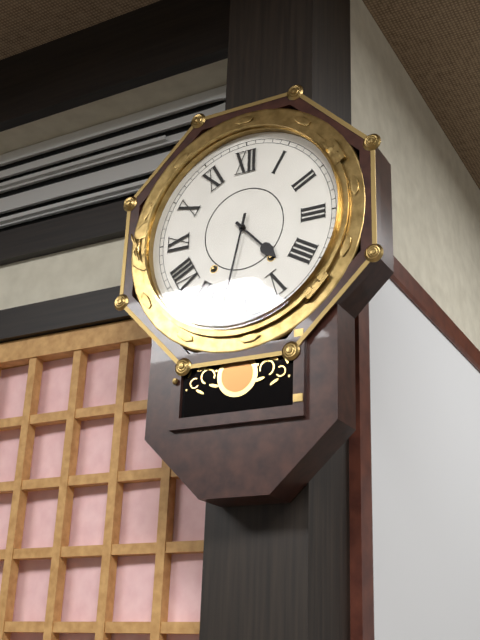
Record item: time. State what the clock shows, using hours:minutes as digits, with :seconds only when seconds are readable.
4:32
